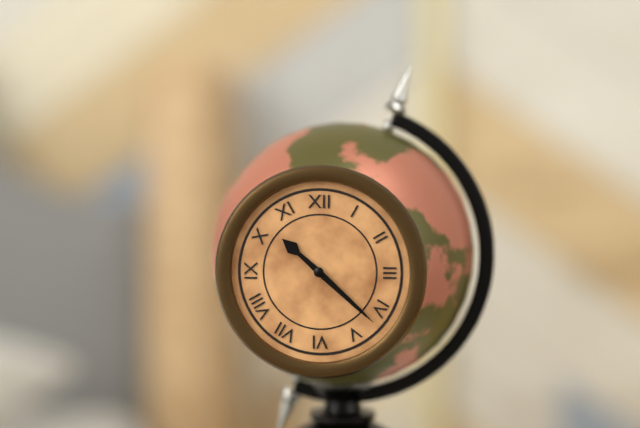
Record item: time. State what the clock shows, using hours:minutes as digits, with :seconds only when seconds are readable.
10:22
